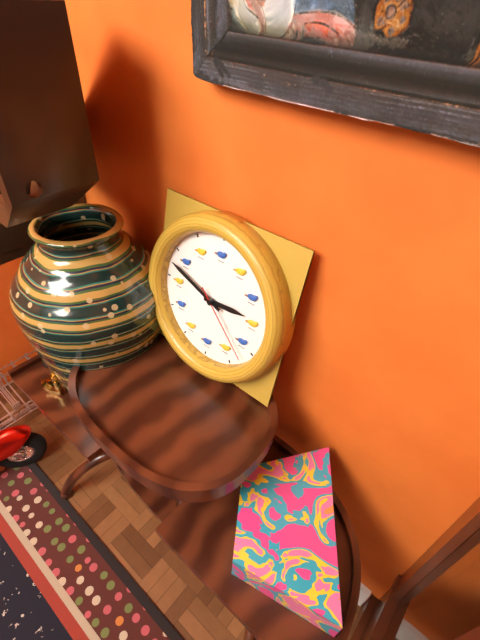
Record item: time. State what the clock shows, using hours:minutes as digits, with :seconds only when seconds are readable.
2:48:22
